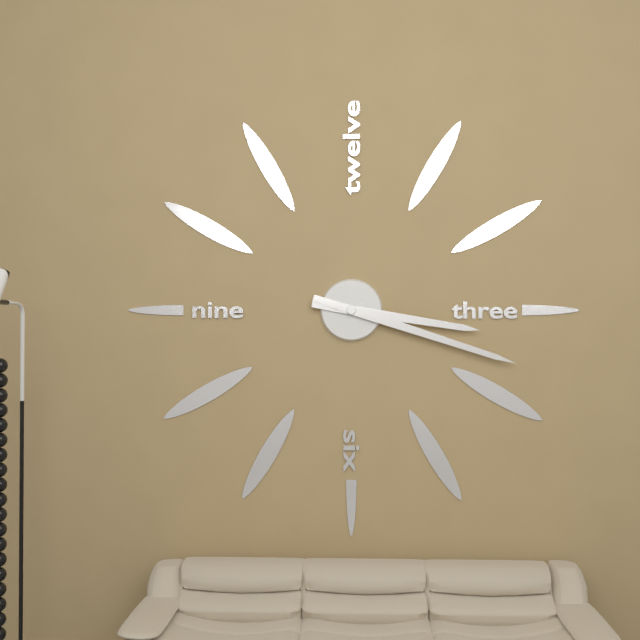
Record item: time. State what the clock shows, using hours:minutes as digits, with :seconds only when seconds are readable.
3:18
